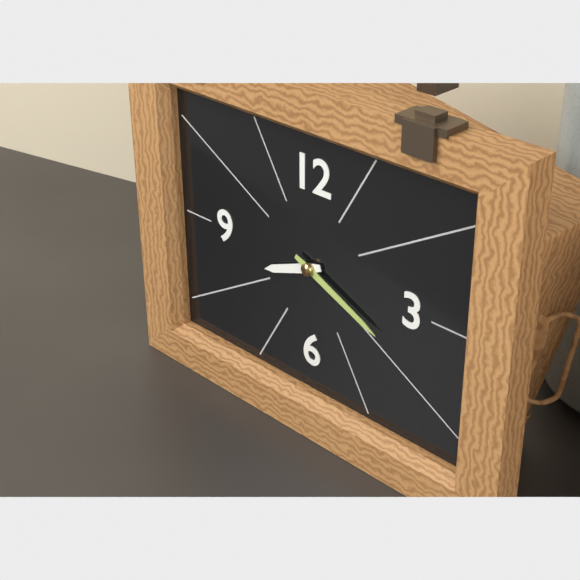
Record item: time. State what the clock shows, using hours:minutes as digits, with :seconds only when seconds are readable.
8:19
